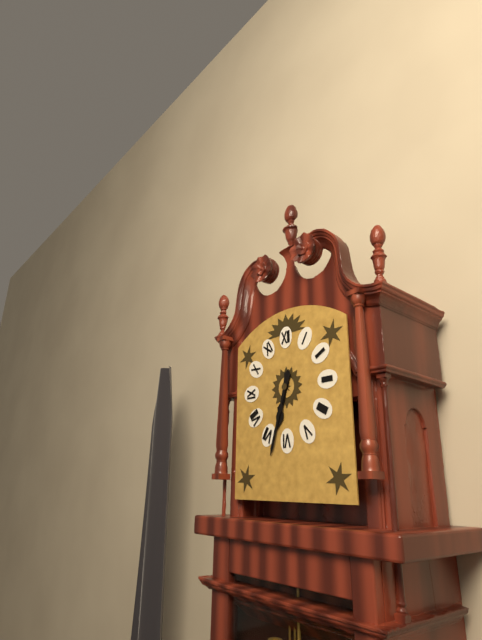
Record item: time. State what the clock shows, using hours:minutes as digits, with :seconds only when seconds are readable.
6:33
